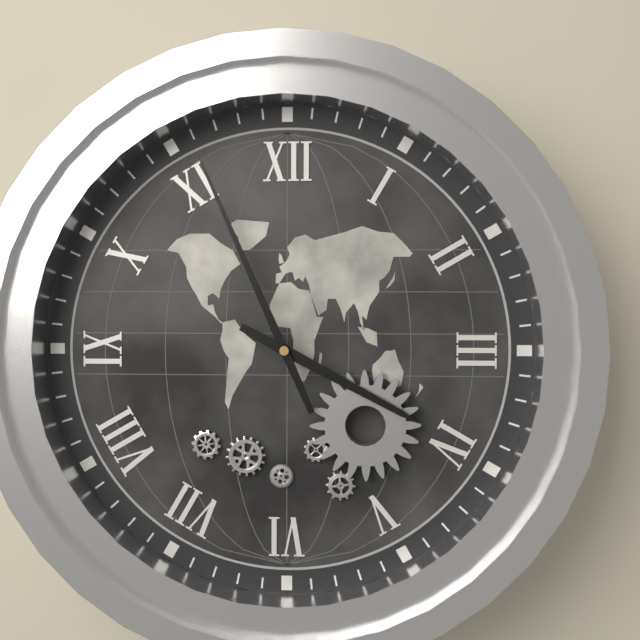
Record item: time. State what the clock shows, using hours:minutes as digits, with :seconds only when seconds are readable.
3:56
